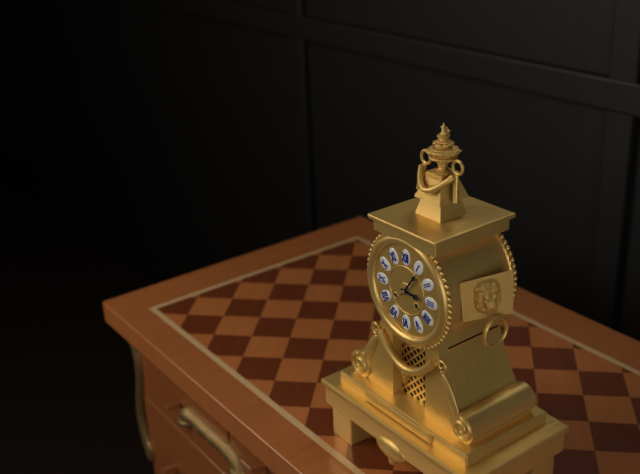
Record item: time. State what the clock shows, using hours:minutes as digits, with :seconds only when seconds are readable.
3:06
